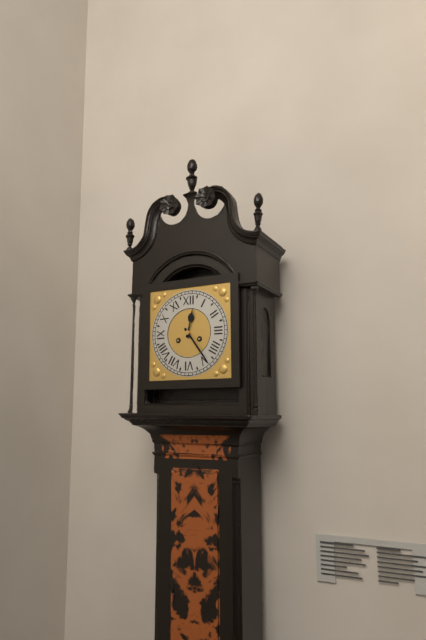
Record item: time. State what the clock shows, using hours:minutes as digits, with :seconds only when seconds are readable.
12:24
